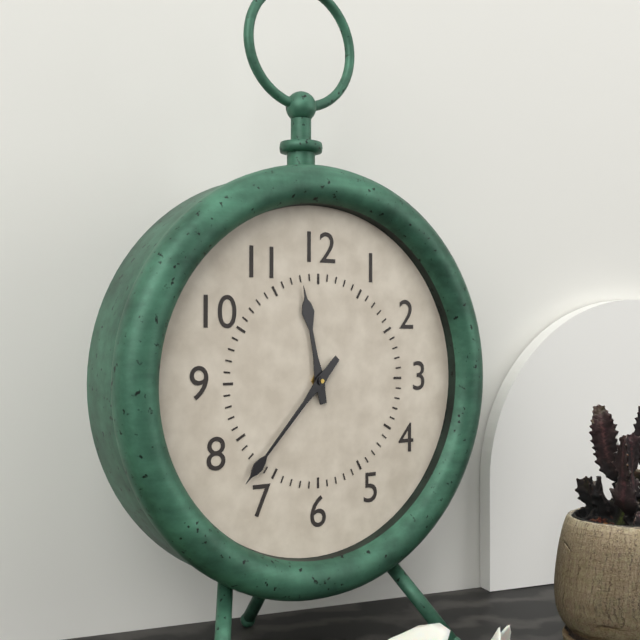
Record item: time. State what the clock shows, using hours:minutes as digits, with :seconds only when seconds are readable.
11:37
